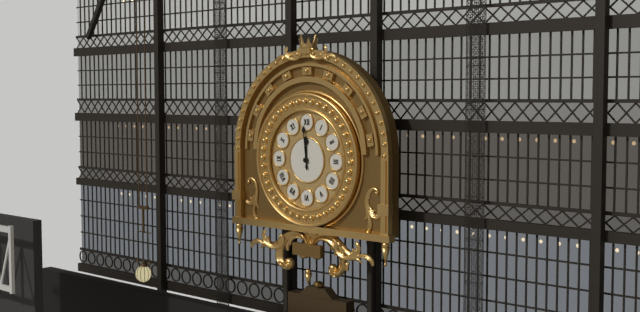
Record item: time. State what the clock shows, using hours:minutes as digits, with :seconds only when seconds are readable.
11:59
